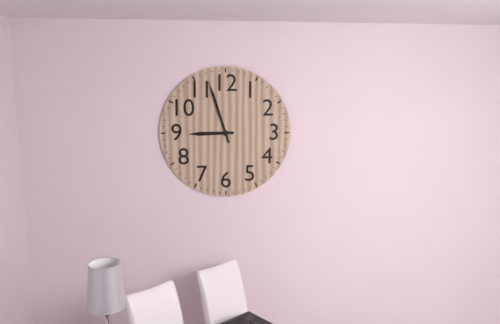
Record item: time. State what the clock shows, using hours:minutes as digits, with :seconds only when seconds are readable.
8:57
